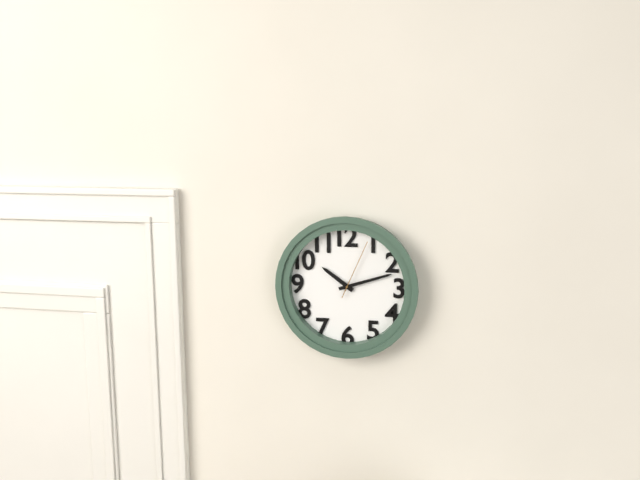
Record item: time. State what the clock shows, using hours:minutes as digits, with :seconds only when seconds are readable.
10:12:04
